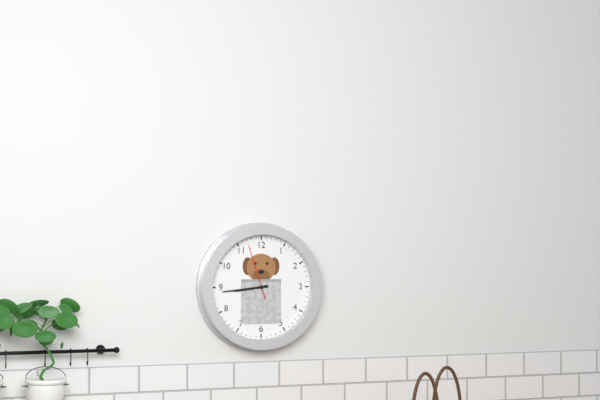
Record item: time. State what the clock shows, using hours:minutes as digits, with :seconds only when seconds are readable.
8:44:57
